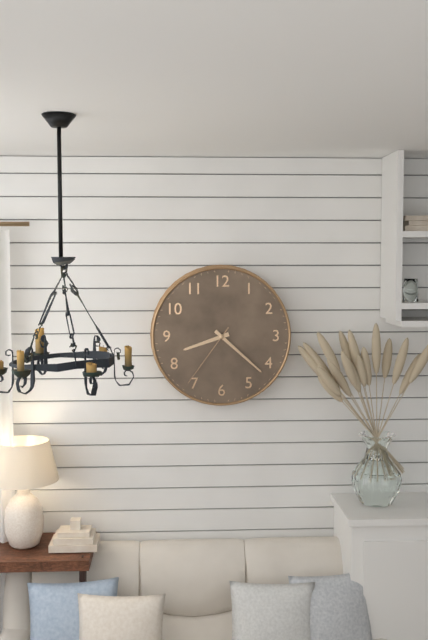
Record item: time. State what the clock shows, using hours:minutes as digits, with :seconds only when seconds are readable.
8:22:36
